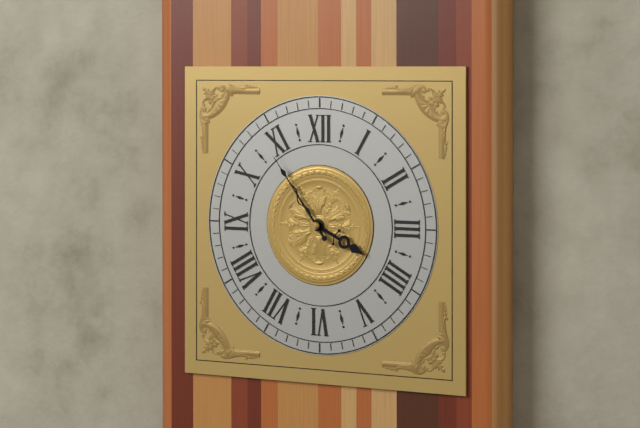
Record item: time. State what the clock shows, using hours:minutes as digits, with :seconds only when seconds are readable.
3:54
